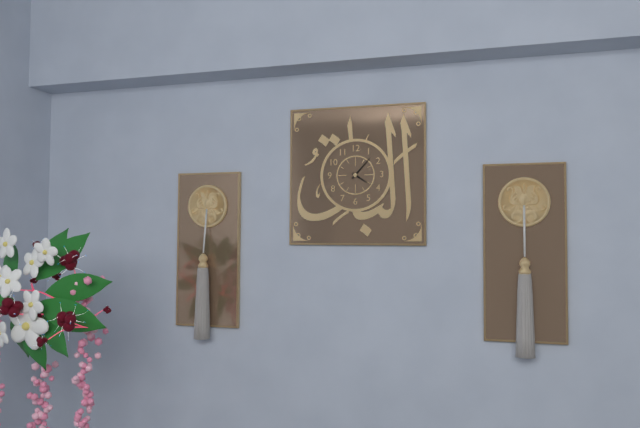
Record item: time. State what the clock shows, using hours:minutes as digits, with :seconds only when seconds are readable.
4:07
